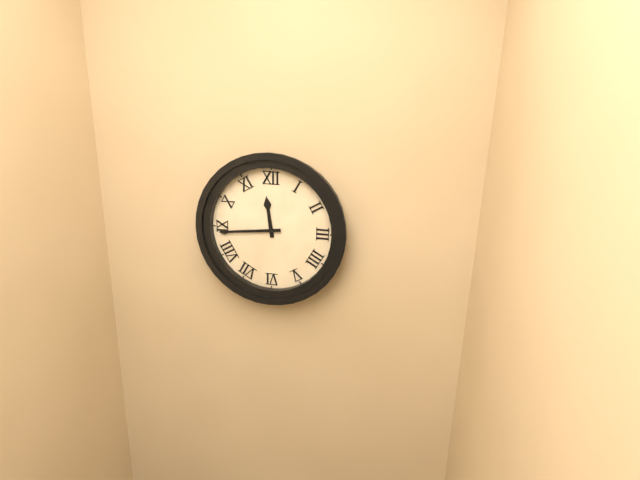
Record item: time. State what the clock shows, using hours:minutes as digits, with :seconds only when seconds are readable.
11:44
